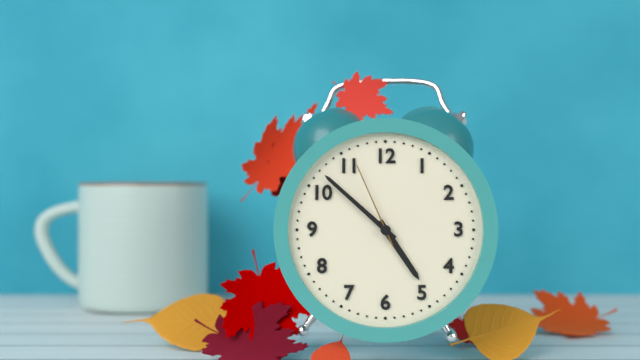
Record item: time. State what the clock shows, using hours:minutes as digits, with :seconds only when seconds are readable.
4:52:56
